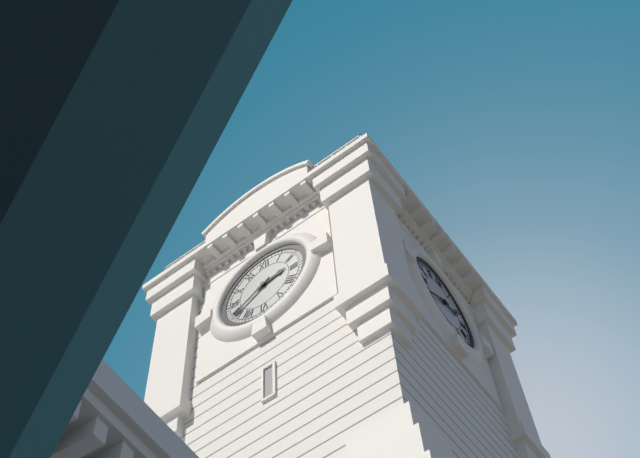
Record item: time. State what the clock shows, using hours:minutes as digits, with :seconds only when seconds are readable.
2:40
